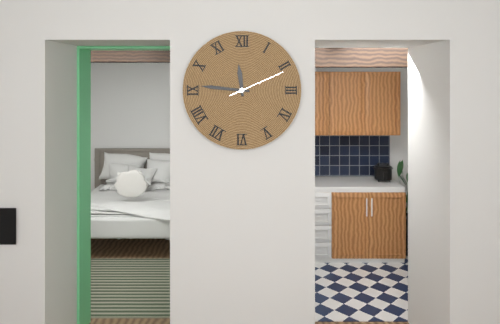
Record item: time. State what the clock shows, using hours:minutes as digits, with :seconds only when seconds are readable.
11:46:11
